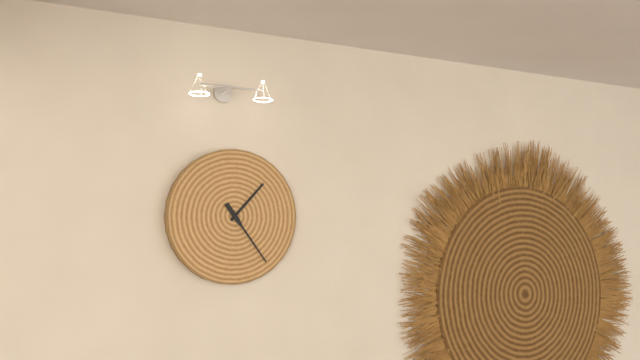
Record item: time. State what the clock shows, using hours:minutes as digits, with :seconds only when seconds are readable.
1:24
